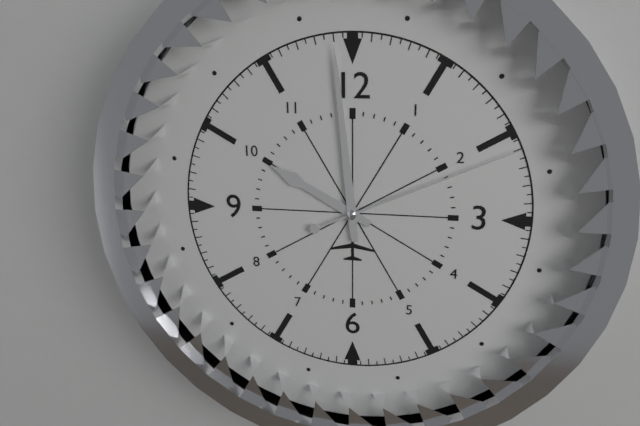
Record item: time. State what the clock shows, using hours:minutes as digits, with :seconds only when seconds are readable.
9:59:11
